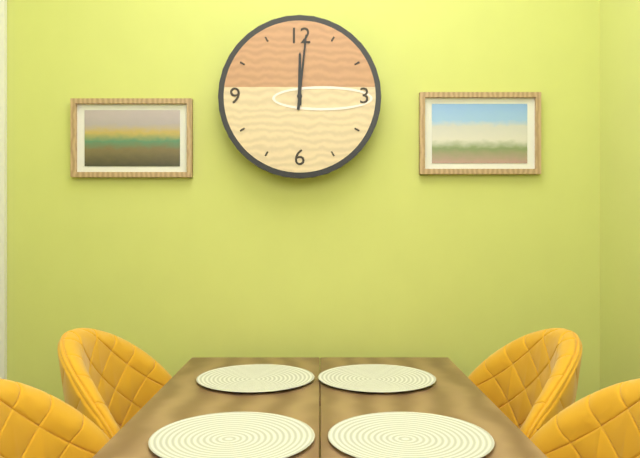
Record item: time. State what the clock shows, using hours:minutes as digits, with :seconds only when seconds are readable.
12:01
